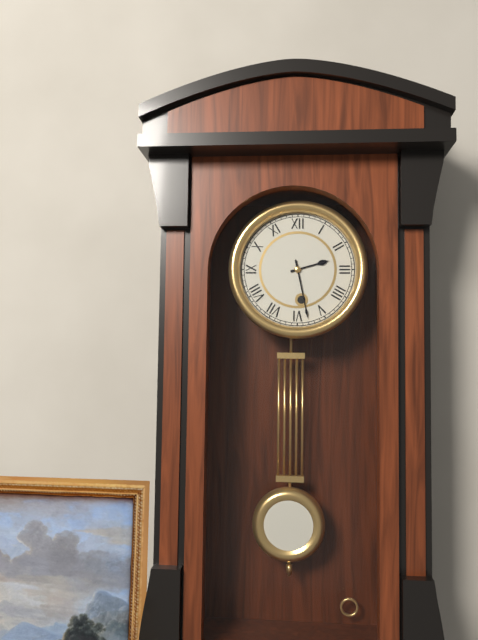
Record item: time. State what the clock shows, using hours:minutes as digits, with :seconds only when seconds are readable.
2:28
